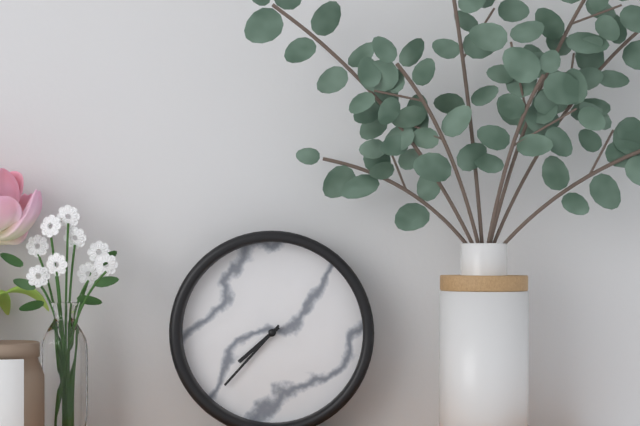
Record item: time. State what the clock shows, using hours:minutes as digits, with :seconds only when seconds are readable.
7:37
